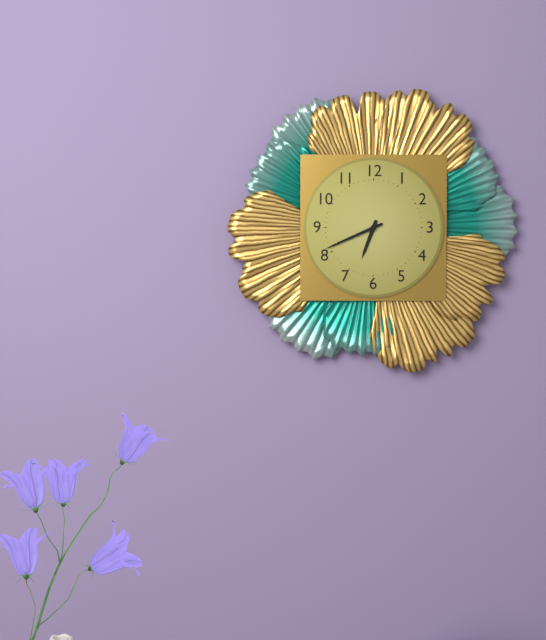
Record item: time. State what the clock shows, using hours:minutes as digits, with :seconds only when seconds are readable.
6:41
